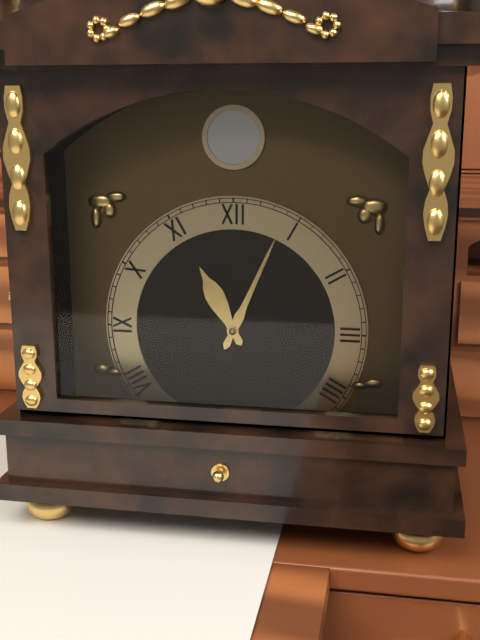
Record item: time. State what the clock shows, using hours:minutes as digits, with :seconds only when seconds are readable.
11:04
